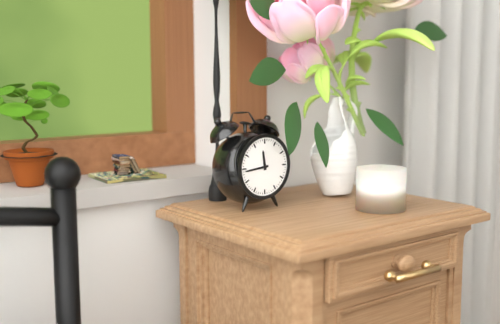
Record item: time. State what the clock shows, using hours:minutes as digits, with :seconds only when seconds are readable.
11:44
